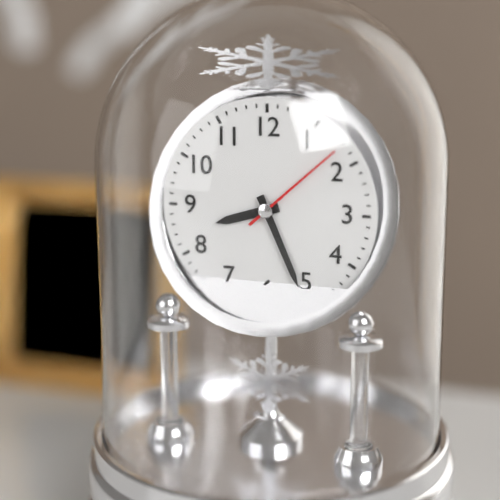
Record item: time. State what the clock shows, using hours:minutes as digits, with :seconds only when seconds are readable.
8:26:08
